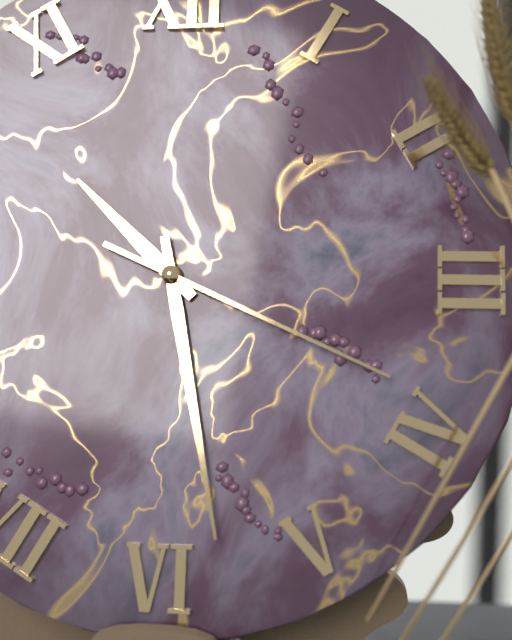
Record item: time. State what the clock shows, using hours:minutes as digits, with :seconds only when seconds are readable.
10:28:19
